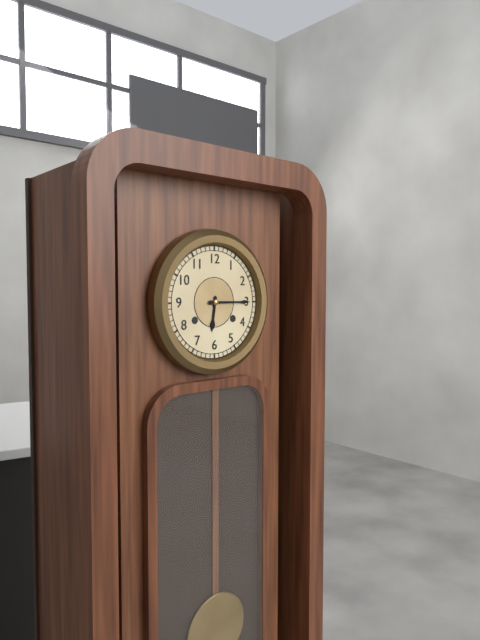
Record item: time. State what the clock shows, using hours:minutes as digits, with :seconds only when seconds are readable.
6:15
